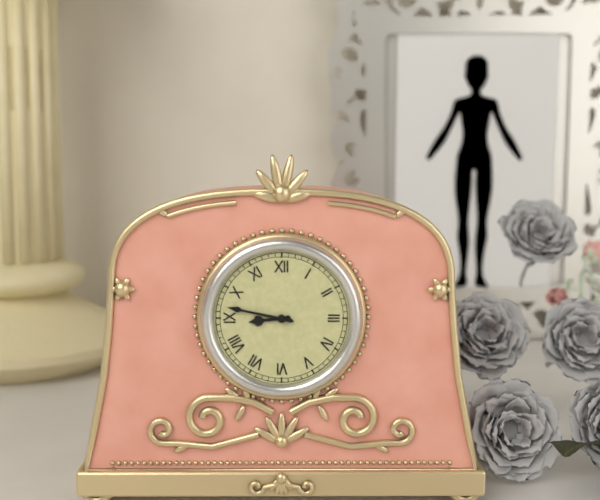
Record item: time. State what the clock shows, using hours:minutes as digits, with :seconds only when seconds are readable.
8:47
